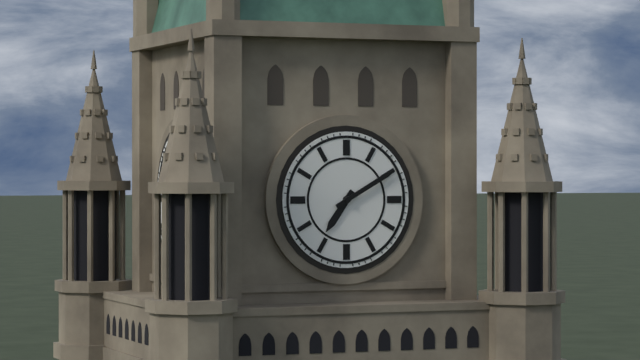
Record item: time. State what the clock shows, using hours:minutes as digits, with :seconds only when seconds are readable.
7:10
